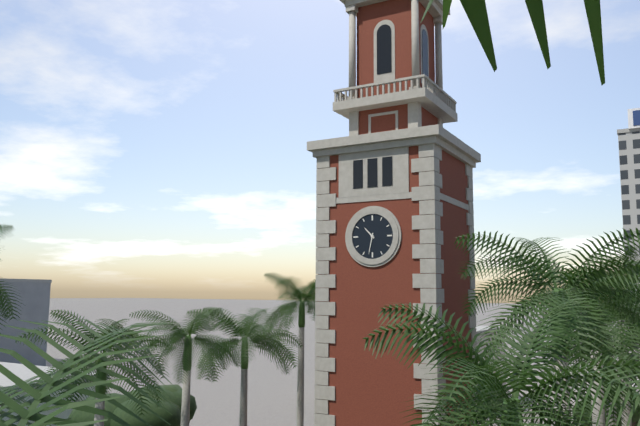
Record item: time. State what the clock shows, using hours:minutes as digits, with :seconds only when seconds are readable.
10:32
